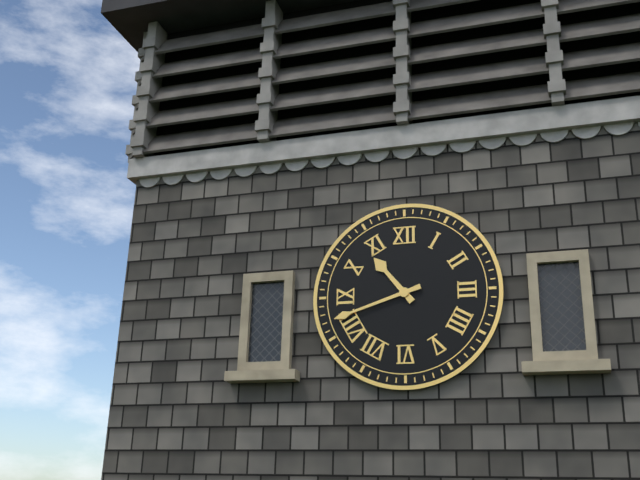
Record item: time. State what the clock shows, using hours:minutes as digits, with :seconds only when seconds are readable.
10:42
